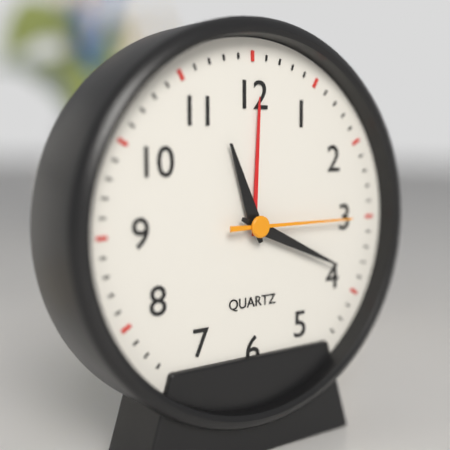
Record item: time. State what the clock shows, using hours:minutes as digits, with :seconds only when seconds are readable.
11:19:15
